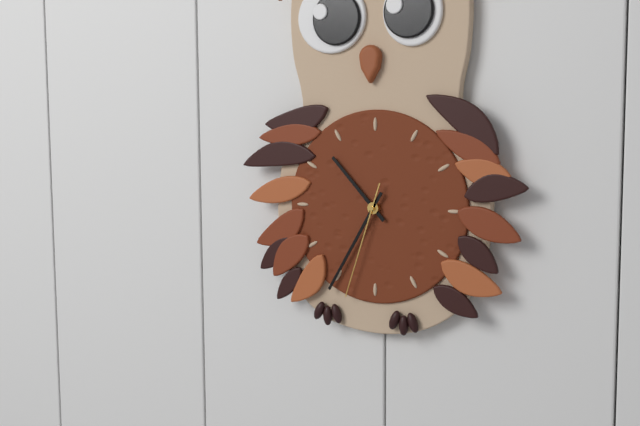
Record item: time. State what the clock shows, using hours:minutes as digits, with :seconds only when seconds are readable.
10:35:33
